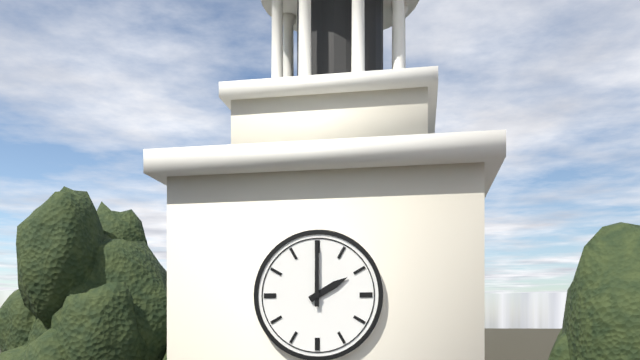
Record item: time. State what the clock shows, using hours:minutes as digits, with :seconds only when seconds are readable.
2:00
